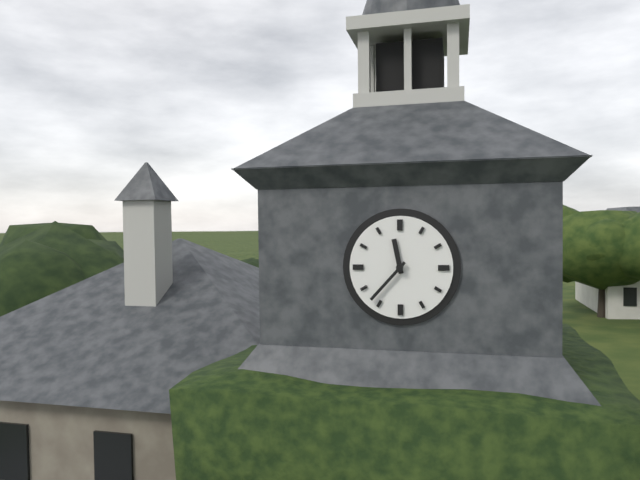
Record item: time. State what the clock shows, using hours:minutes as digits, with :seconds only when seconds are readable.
11:37
